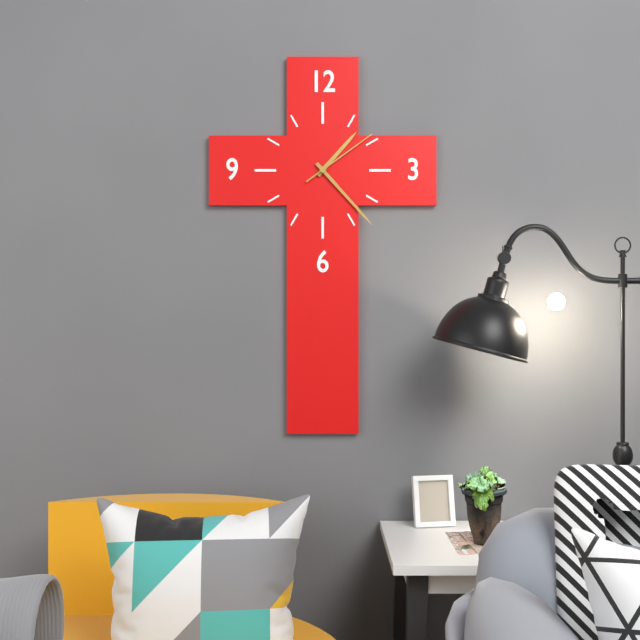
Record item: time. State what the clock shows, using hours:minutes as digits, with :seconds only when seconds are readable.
1:23:09
